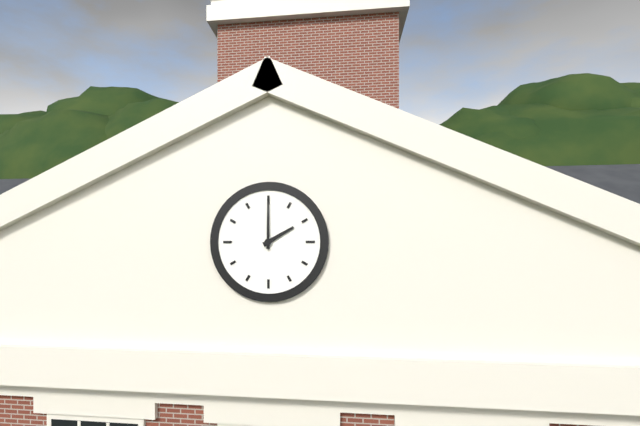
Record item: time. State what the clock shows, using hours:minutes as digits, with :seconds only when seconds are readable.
2:00
